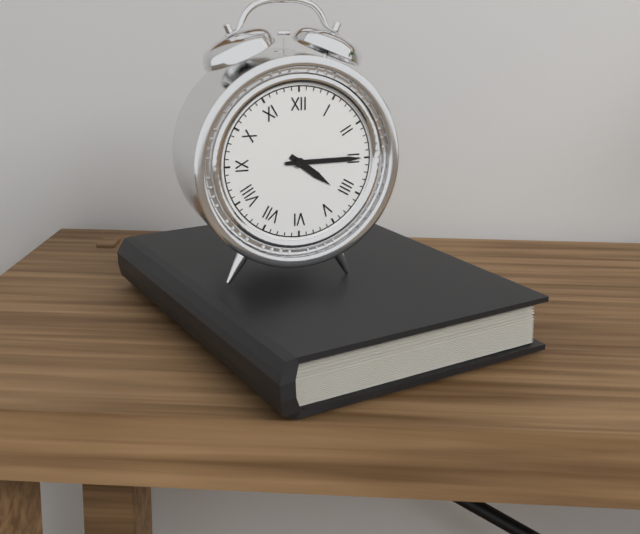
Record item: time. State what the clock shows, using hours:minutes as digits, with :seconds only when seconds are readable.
4:15
